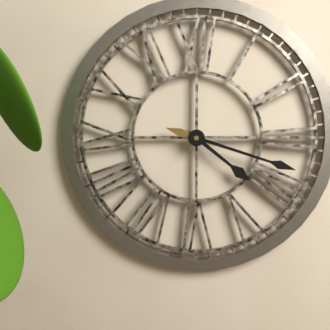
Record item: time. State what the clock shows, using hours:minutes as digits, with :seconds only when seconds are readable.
4:18
